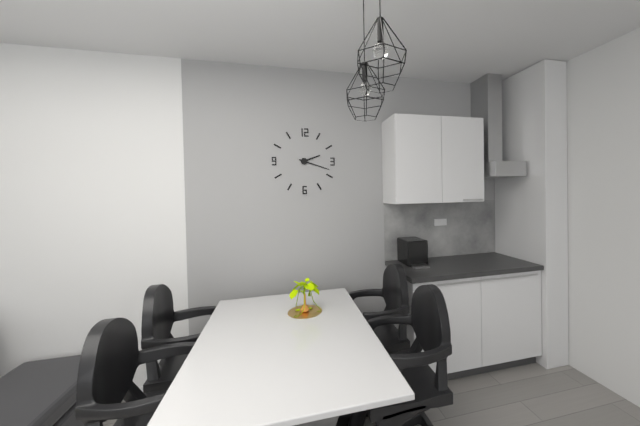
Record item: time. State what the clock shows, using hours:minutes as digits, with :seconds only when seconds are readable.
2:18
